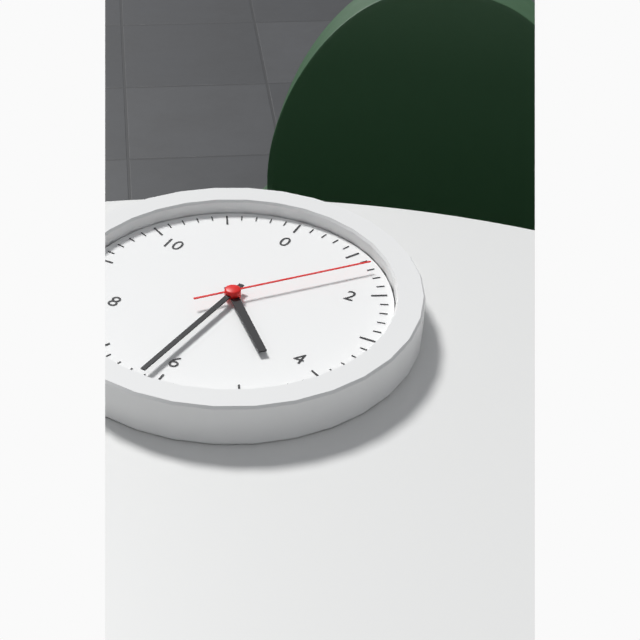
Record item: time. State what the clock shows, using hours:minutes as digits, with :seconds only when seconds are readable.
4:31:07
